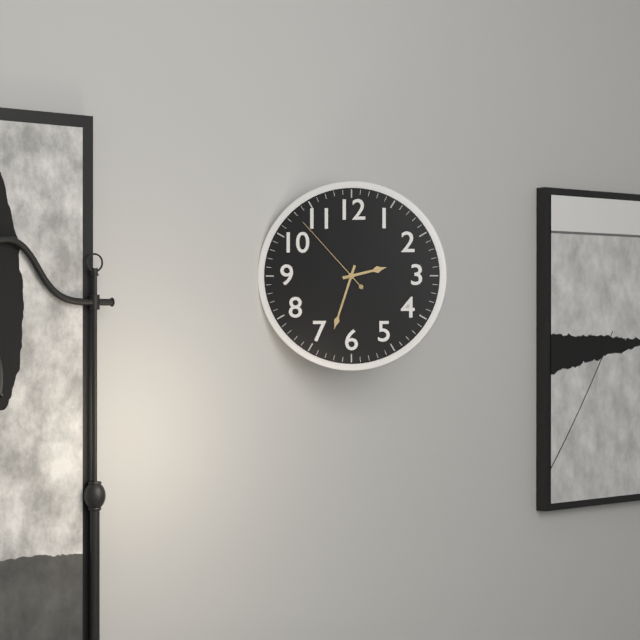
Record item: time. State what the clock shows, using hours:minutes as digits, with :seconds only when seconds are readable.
2:33:53
